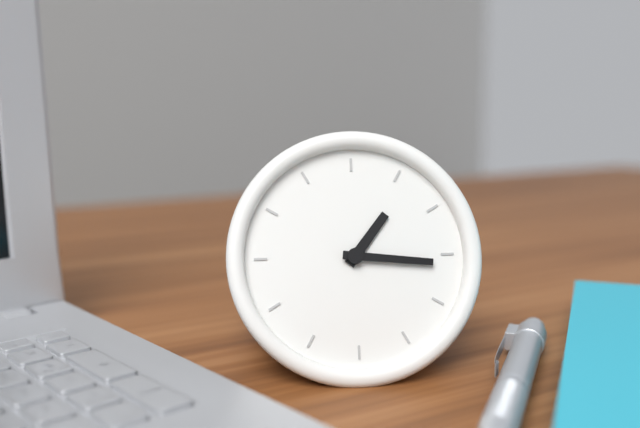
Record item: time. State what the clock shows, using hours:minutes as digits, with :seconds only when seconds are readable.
1:16
